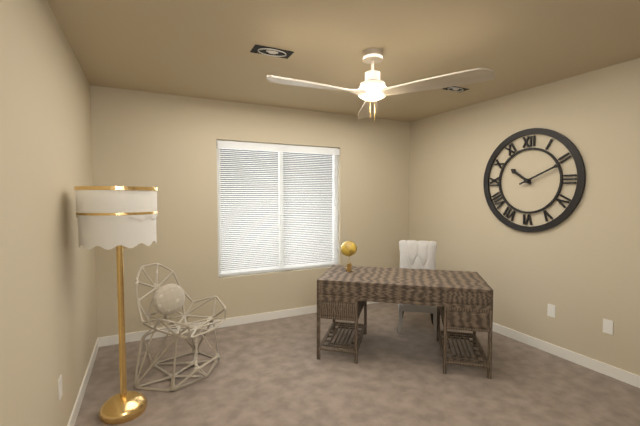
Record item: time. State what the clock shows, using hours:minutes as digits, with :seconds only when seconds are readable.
10:11
